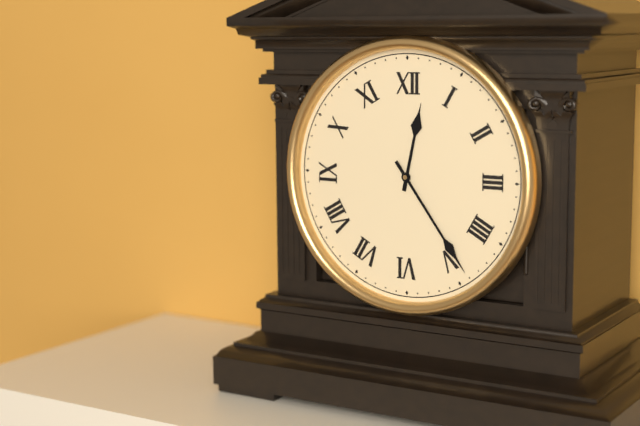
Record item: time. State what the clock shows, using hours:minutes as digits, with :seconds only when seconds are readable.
12:24
